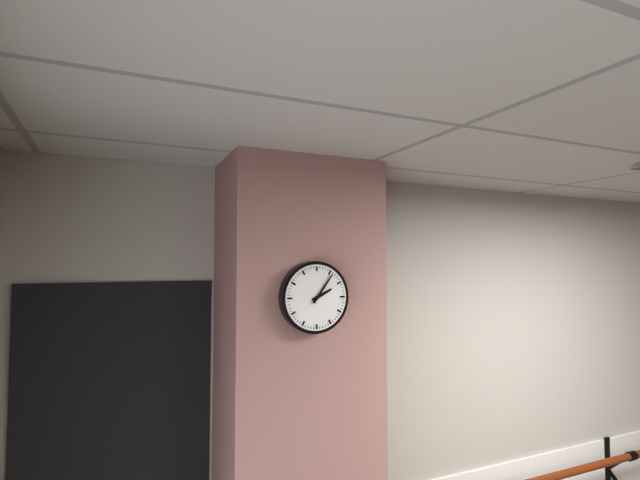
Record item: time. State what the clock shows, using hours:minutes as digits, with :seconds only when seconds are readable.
2:06
